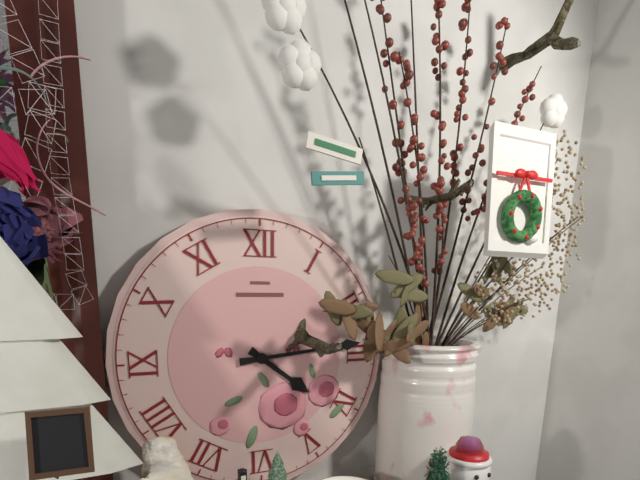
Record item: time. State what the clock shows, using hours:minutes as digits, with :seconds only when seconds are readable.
4:14
